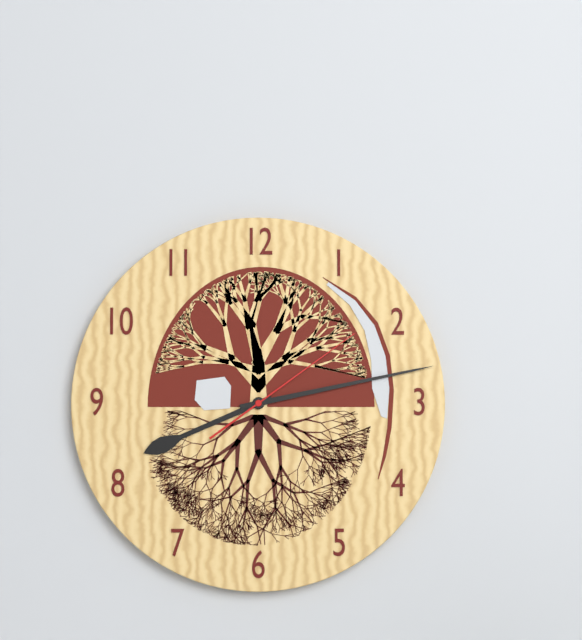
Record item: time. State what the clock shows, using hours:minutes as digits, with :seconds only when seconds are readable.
8:13:09
